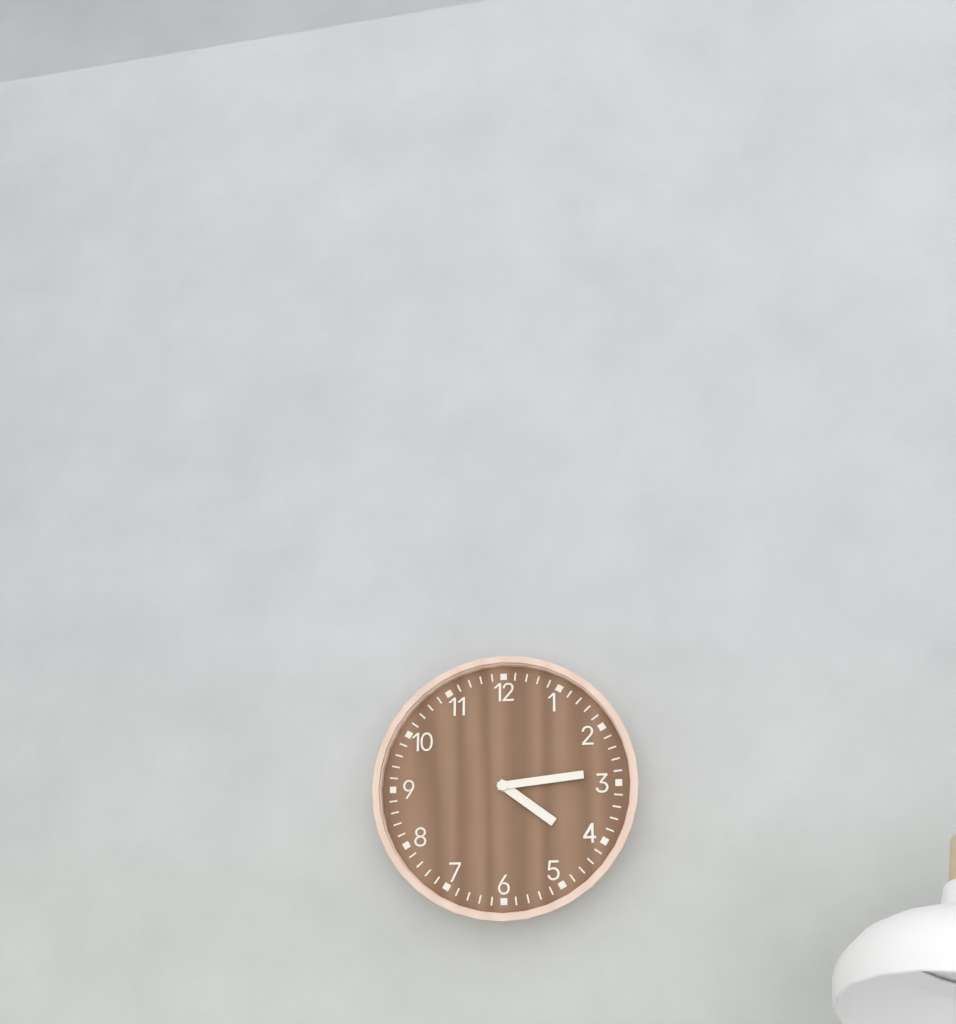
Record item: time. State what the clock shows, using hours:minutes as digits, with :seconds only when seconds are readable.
4:14
